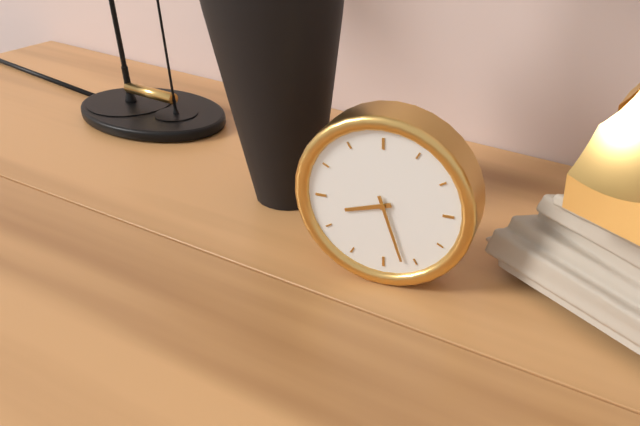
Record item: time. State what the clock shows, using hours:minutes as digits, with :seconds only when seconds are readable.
8:27
